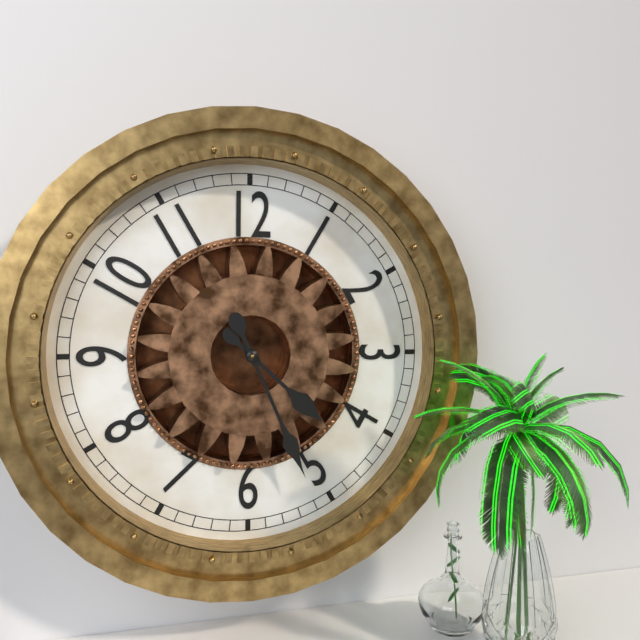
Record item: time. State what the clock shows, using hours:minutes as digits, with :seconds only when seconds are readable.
4:26
